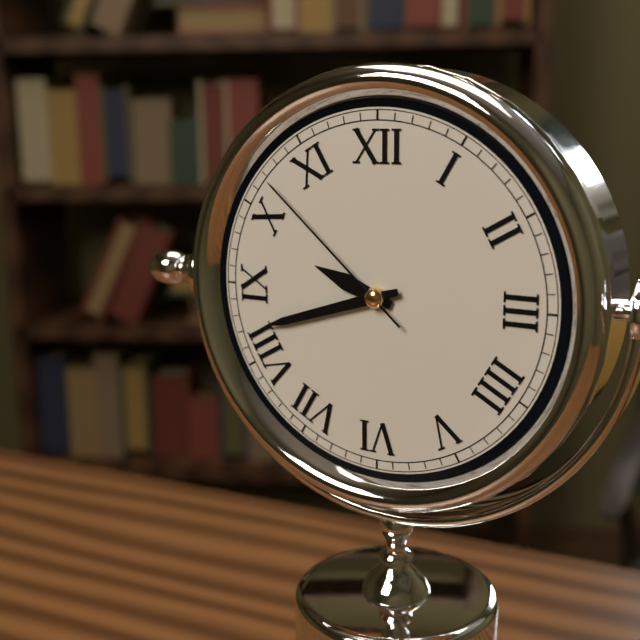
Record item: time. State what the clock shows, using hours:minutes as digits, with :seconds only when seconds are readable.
9:42:52
